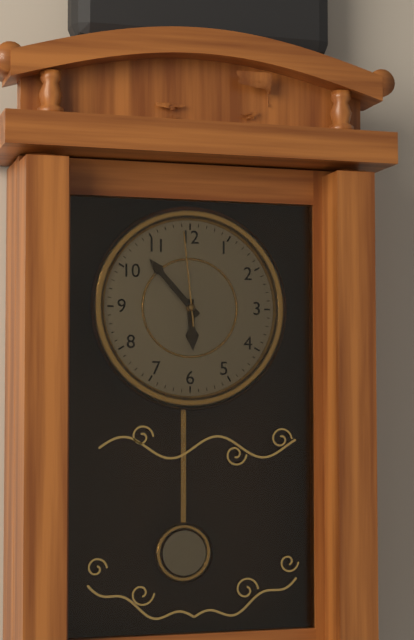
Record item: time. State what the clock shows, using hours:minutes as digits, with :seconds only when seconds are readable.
5:53:59
